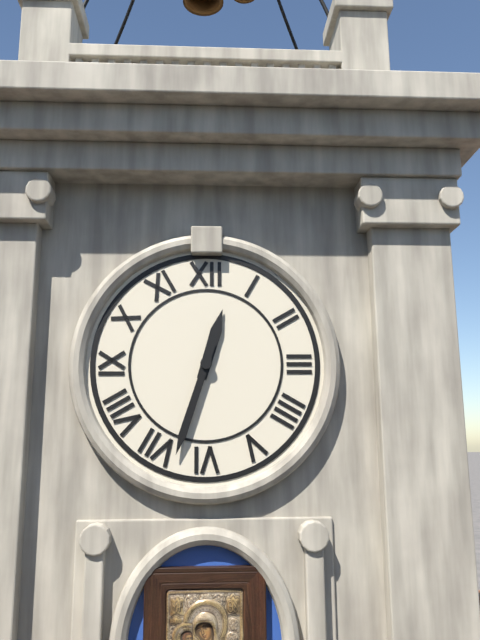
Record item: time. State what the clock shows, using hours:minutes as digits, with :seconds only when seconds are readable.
12:33
